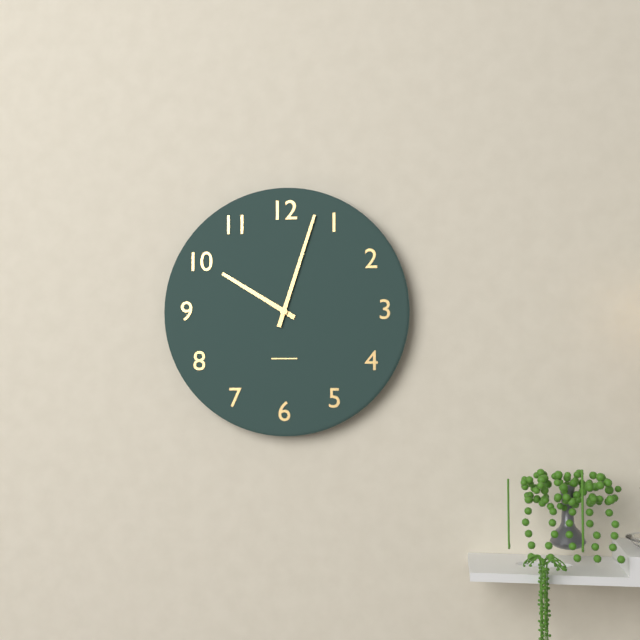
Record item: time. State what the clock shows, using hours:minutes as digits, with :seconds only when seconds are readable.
10:03
